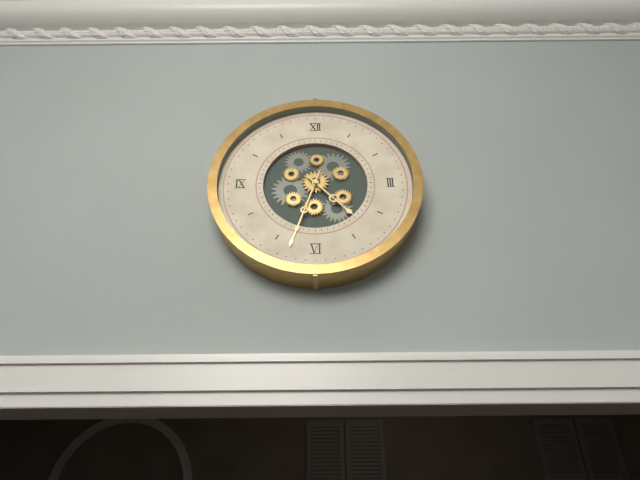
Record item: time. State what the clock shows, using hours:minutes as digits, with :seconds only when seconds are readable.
4:33
